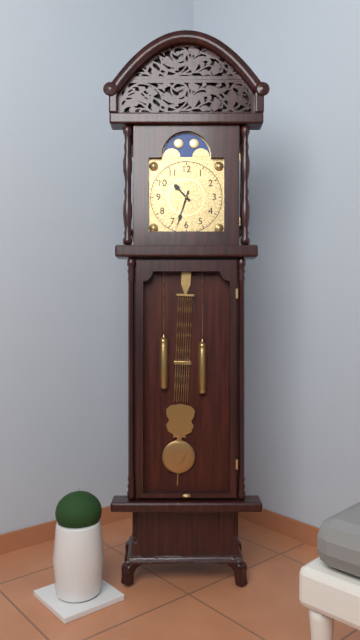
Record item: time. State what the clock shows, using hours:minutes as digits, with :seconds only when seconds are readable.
10:33
